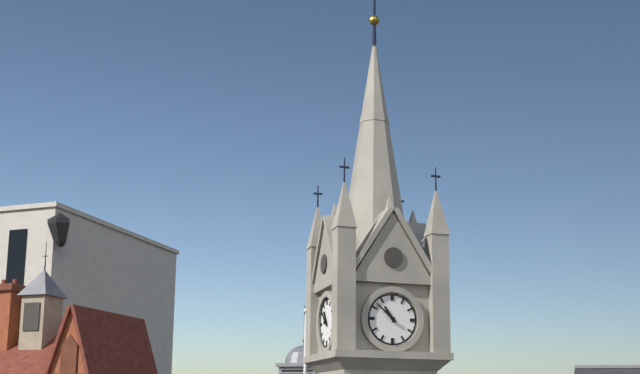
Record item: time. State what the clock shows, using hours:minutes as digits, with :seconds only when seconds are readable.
10:52
